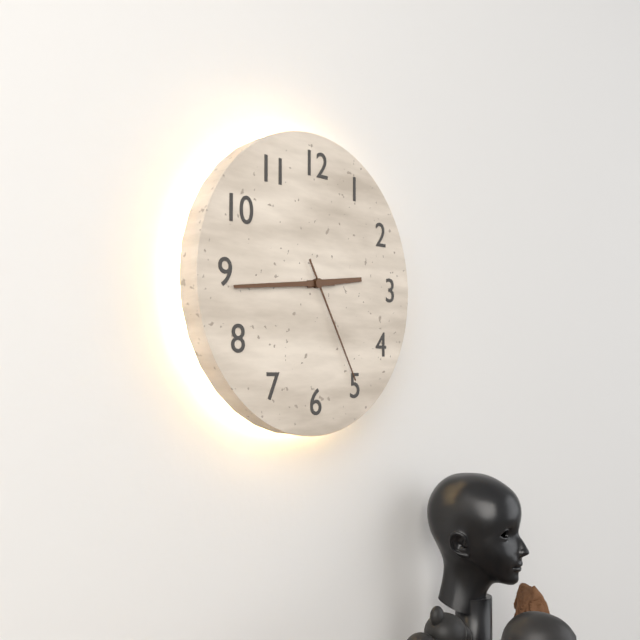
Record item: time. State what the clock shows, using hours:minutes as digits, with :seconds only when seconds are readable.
2:44:25
